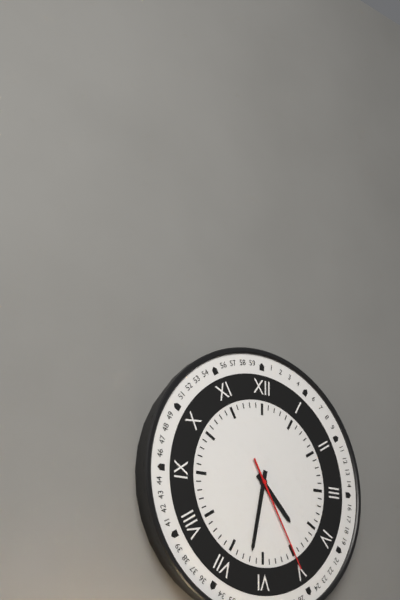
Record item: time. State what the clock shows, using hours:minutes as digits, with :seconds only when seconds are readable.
4:32:25
